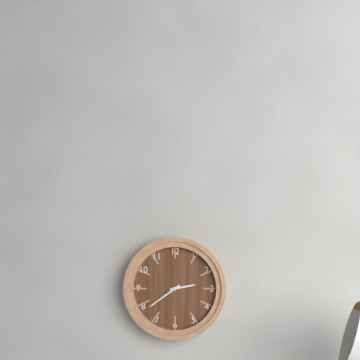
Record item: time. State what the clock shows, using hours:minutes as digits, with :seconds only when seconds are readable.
2:39
